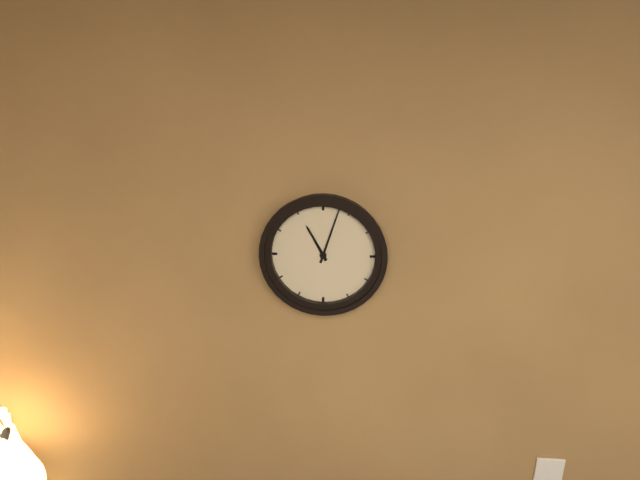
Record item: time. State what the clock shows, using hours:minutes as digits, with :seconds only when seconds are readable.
11:03
